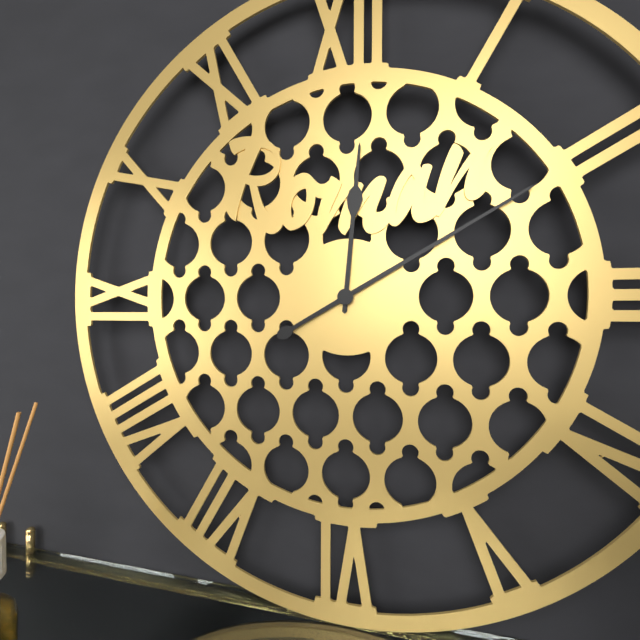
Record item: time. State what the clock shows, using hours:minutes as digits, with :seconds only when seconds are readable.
12:10
